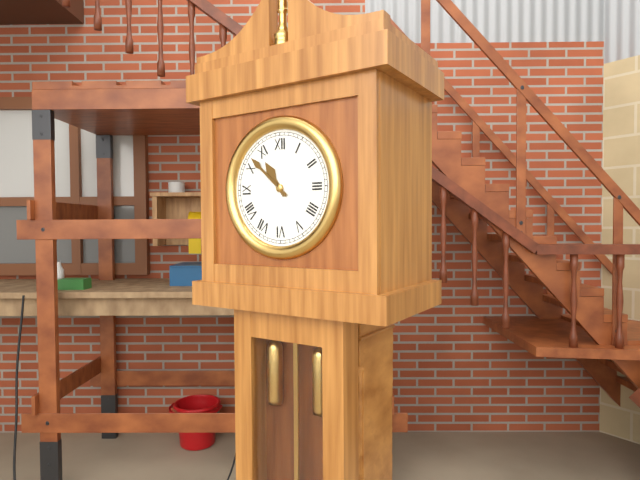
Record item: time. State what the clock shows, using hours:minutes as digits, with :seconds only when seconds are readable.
10:52
